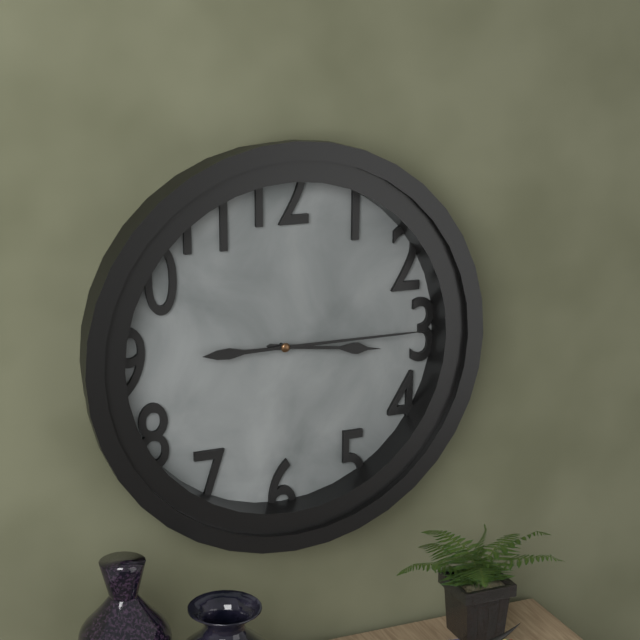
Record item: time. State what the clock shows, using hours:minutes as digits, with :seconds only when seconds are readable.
3:15
